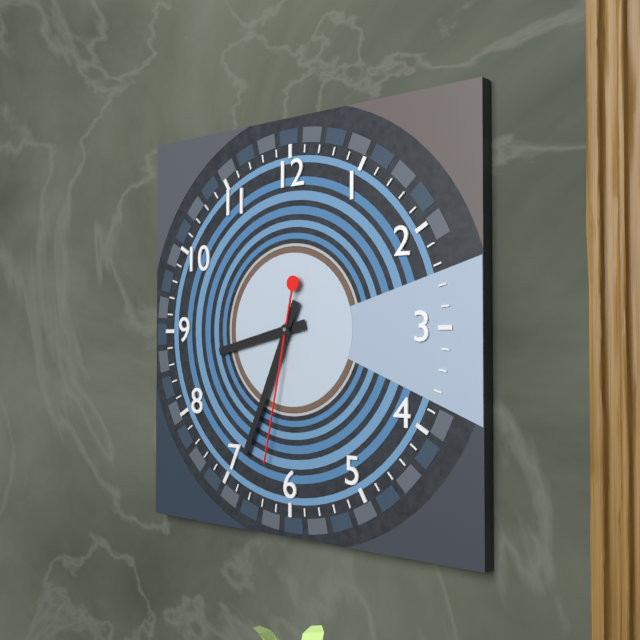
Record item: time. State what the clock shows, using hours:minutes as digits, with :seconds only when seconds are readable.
8:34:32
